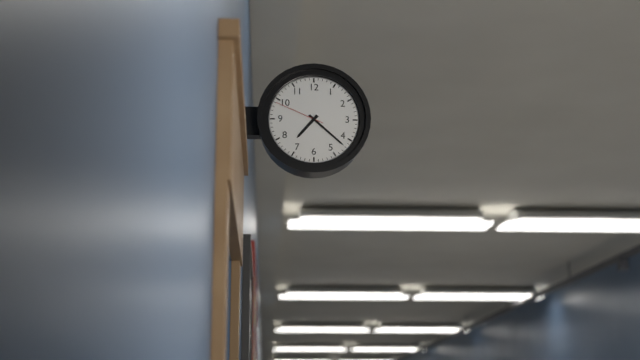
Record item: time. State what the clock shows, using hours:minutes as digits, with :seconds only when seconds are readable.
7:22:49
